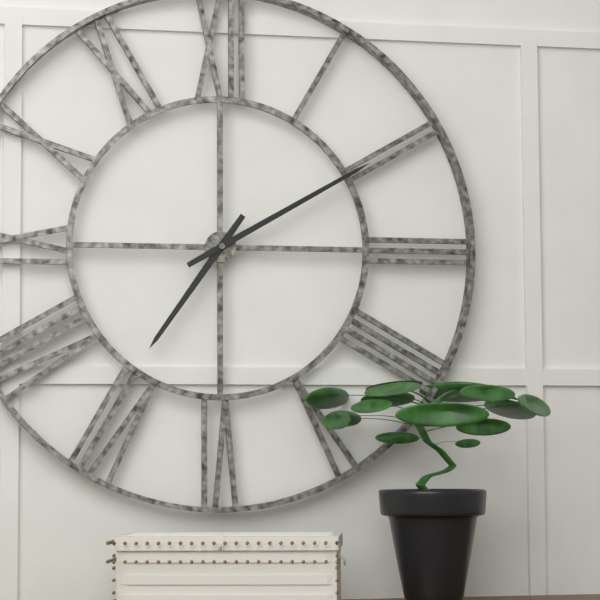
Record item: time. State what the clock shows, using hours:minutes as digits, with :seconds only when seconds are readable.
7:10
